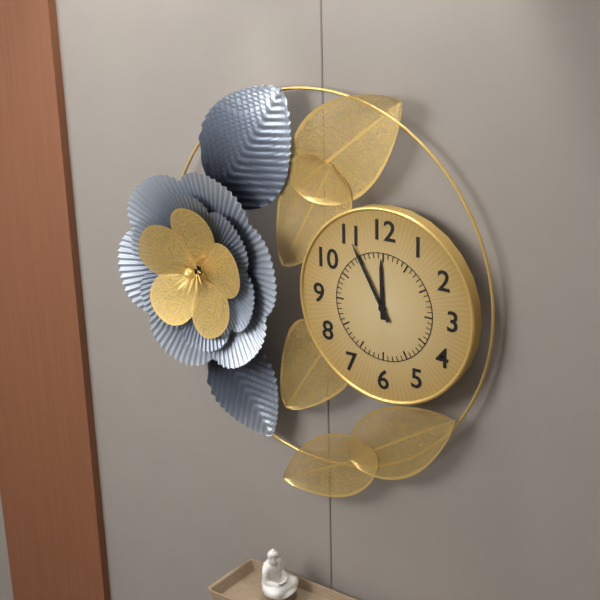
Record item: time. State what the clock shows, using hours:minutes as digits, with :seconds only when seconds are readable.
11:55
